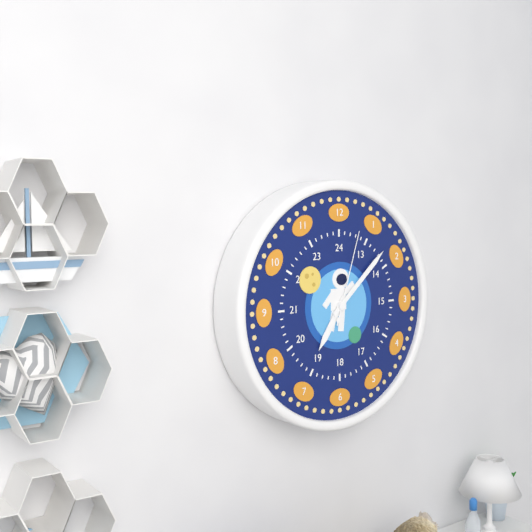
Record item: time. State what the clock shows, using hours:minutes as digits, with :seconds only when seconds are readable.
7:08:03
